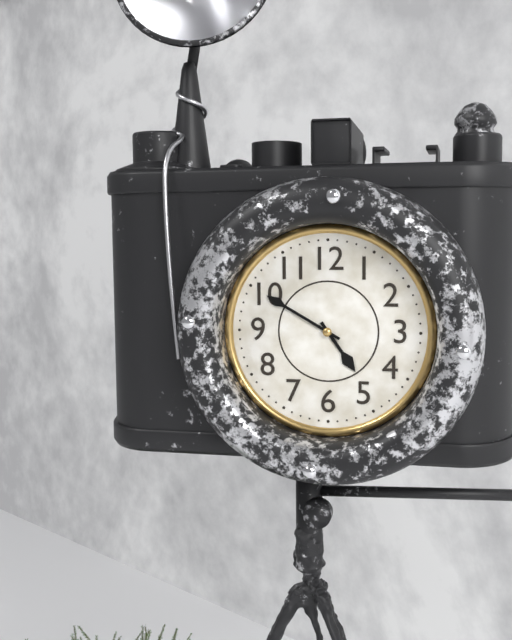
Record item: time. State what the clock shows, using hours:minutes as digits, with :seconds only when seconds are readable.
4:50
